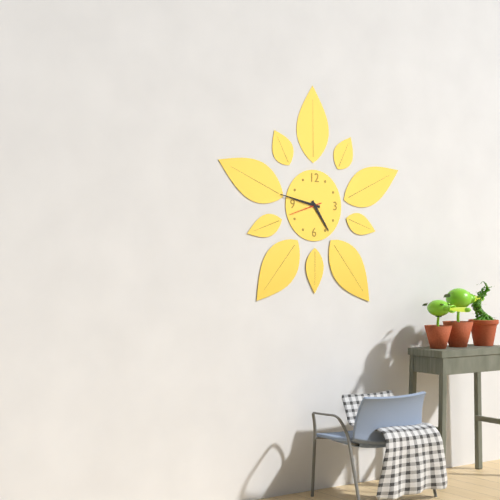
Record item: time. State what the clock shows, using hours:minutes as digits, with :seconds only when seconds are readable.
4:47
